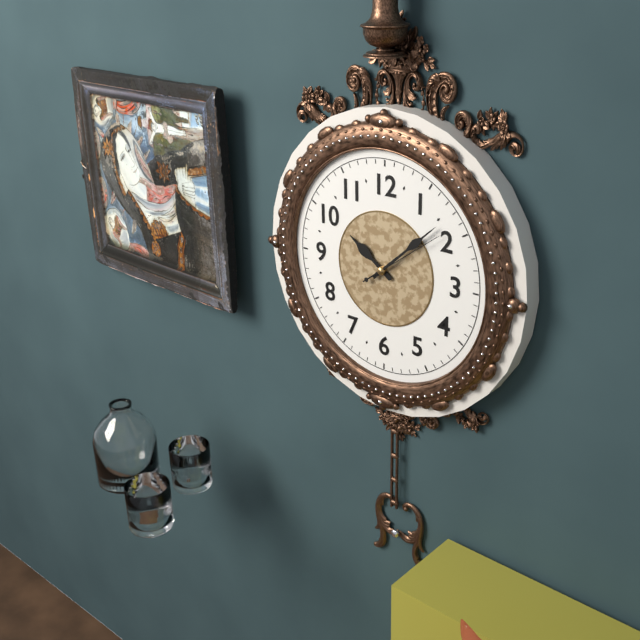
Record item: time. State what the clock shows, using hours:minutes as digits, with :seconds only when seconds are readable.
10:08:09
